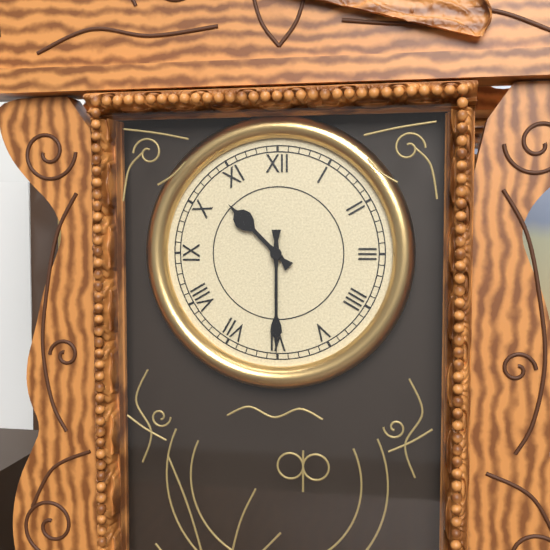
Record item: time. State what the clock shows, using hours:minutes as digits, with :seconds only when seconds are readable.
10:30
